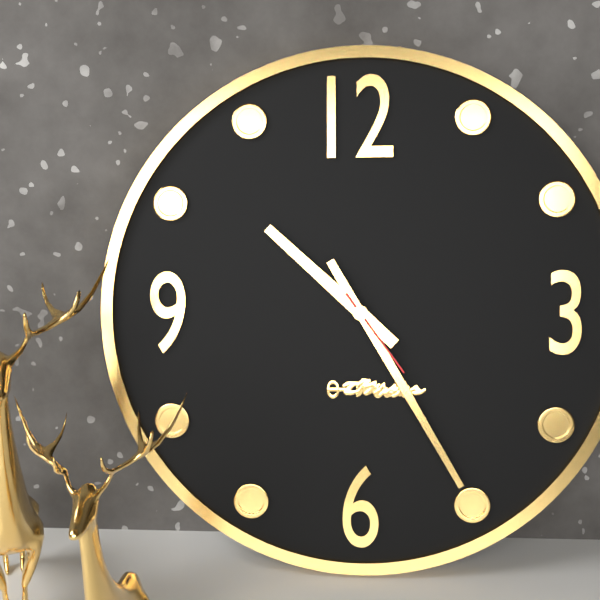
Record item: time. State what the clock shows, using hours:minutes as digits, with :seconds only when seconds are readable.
10:25:24
